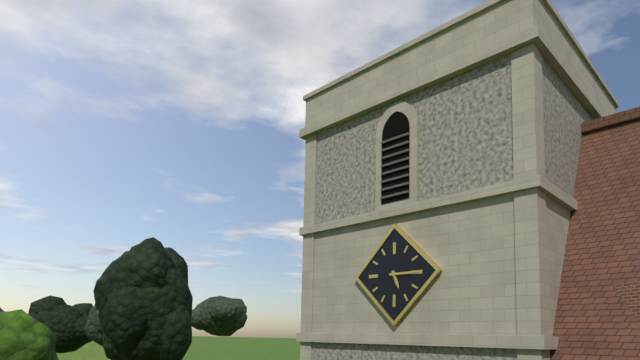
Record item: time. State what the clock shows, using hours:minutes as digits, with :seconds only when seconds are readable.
5:15
